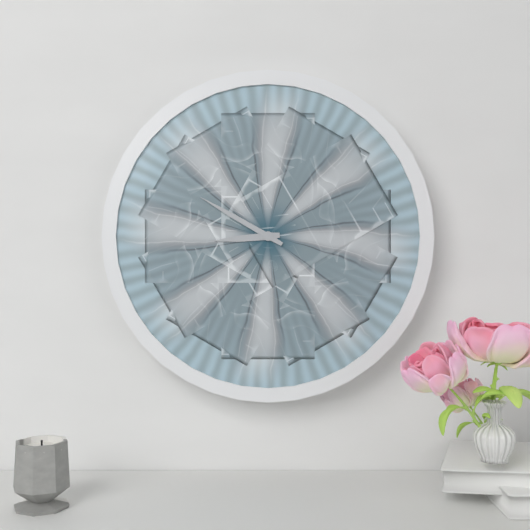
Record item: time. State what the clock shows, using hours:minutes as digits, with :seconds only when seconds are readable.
8:50
